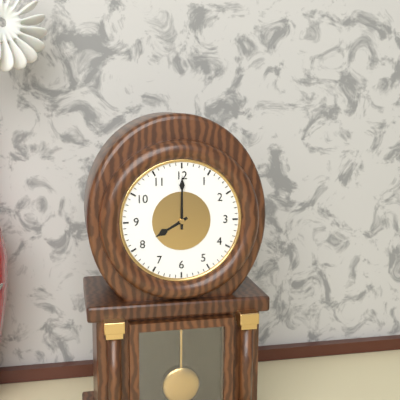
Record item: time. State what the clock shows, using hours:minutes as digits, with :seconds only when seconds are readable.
8:00
